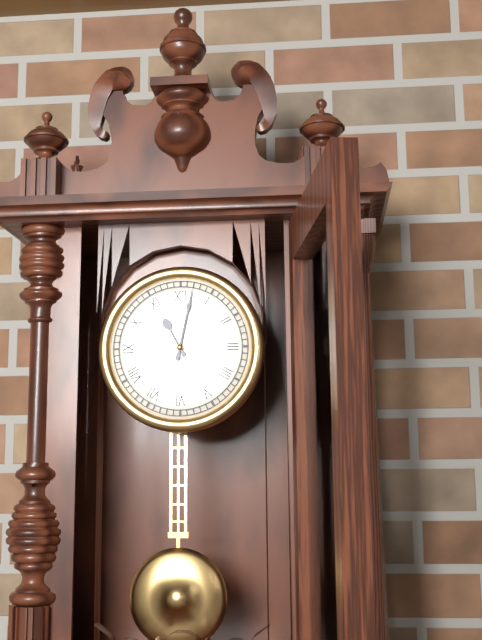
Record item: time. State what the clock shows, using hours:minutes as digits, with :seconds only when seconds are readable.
11:02
